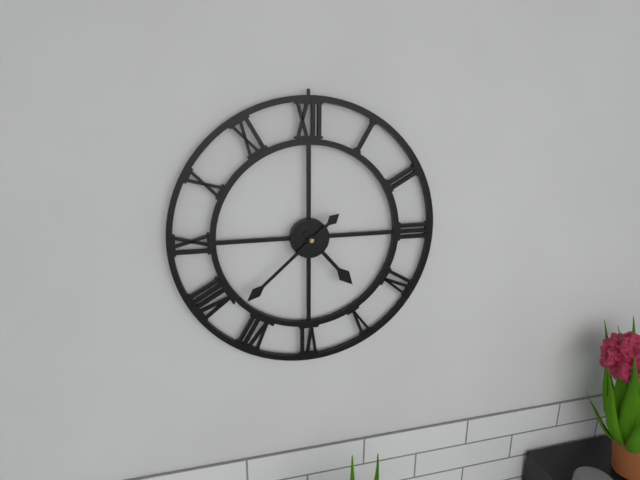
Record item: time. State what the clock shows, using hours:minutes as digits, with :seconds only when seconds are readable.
4:38
